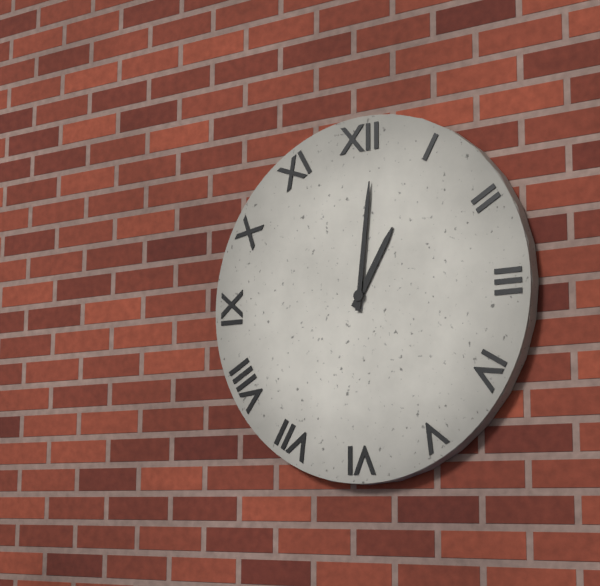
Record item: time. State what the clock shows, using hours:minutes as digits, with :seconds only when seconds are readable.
1:01
